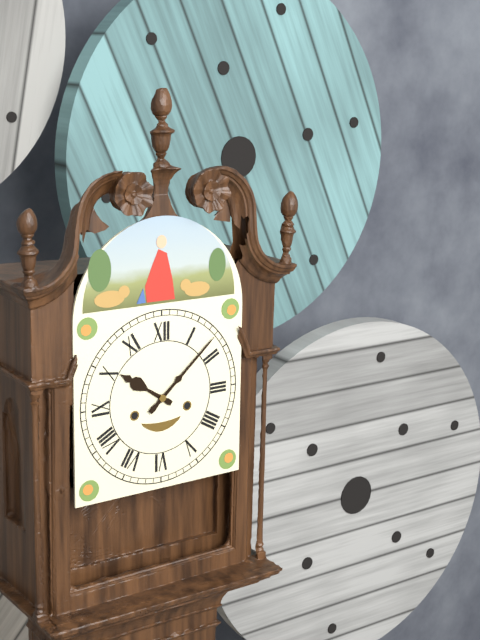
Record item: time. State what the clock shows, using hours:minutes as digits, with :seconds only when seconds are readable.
10:08
